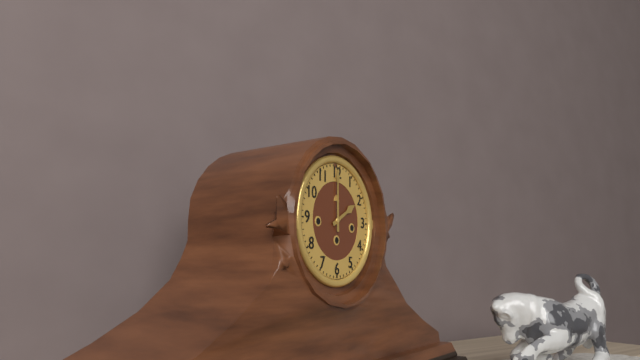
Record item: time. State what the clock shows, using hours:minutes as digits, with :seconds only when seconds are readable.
2:00
